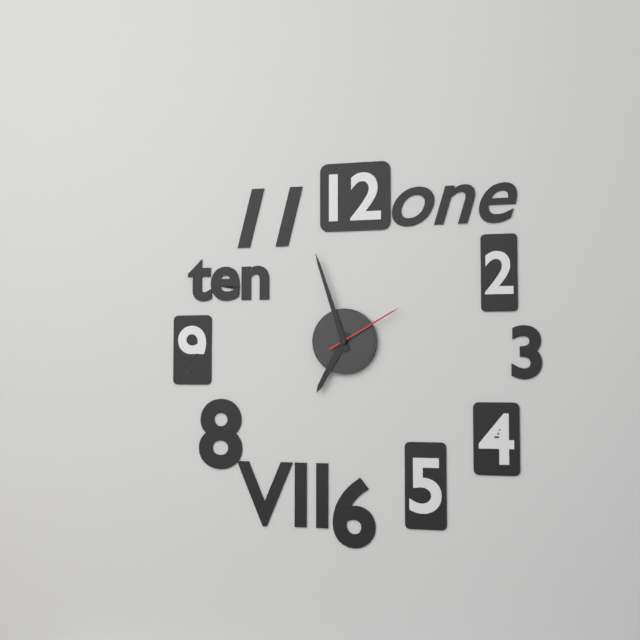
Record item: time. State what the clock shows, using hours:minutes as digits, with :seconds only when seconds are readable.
6:57:10
